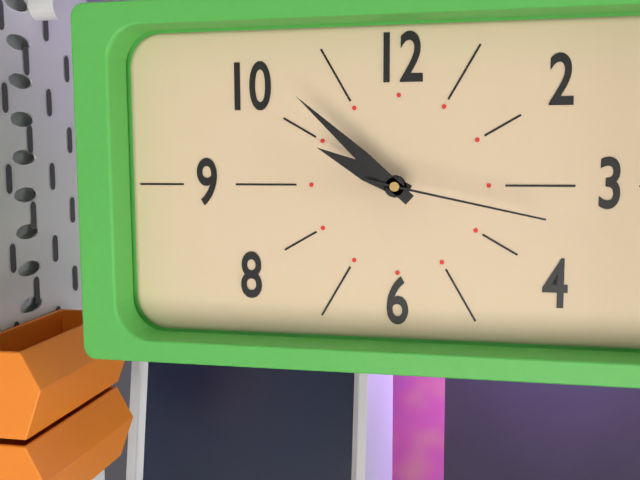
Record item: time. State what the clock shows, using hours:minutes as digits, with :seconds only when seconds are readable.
9:52:17
